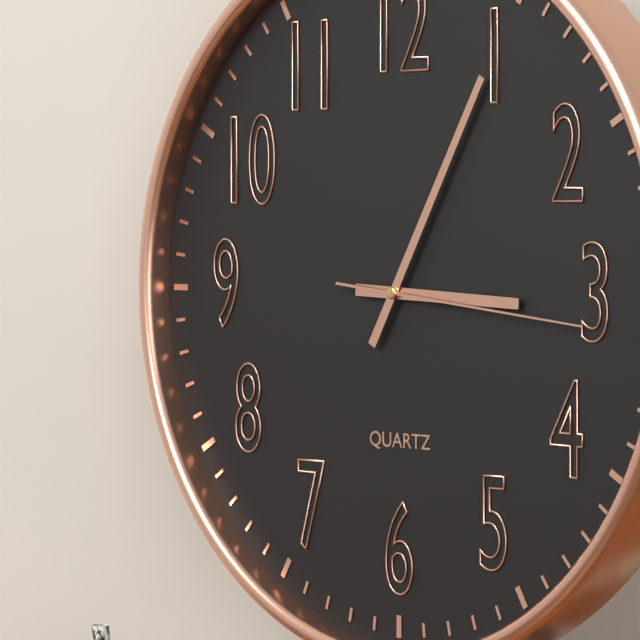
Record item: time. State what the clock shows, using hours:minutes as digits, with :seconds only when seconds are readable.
3:05:16
